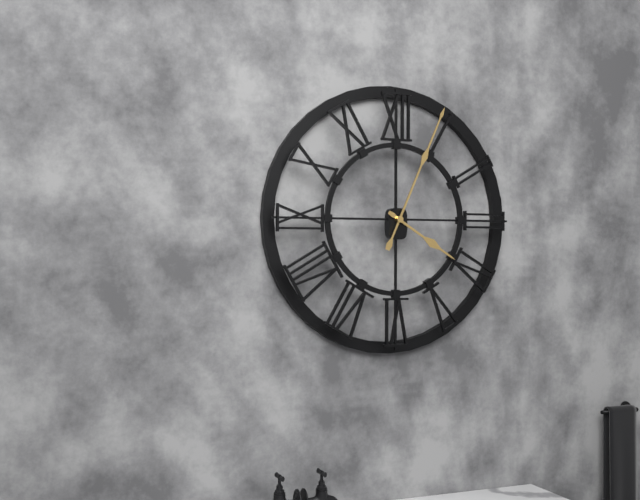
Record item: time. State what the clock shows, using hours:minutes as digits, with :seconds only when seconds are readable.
4:04
